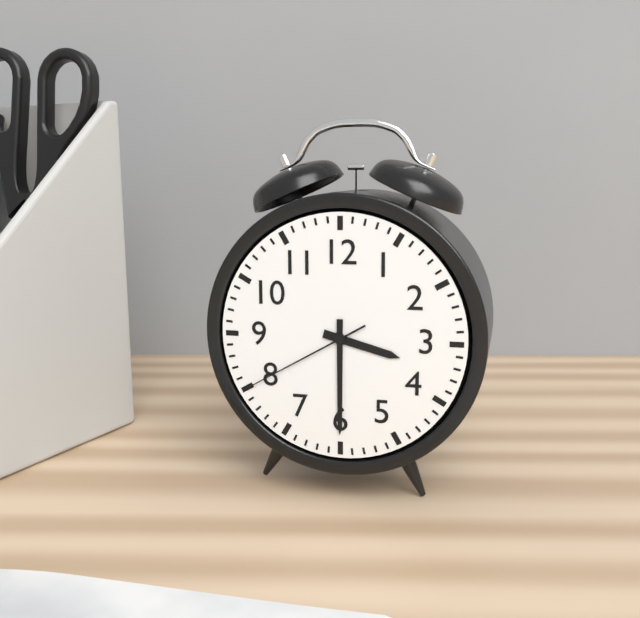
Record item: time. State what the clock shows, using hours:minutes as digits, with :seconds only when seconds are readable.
3:30:40
